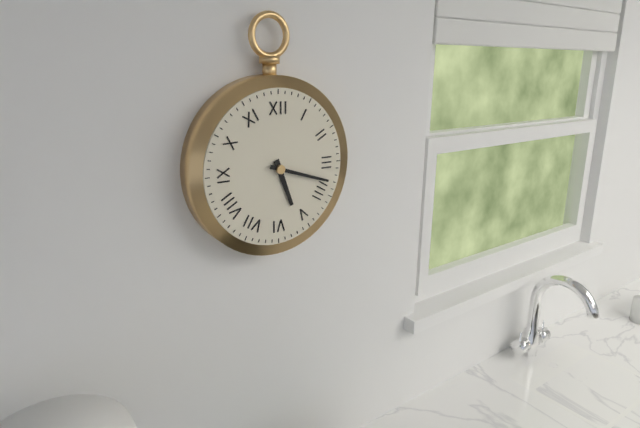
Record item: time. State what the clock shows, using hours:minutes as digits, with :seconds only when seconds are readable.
5:18
